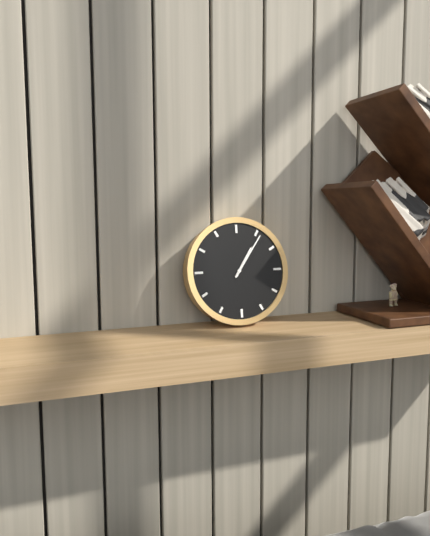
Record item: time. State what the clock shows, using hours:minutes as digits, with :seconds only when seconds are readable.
1:06
